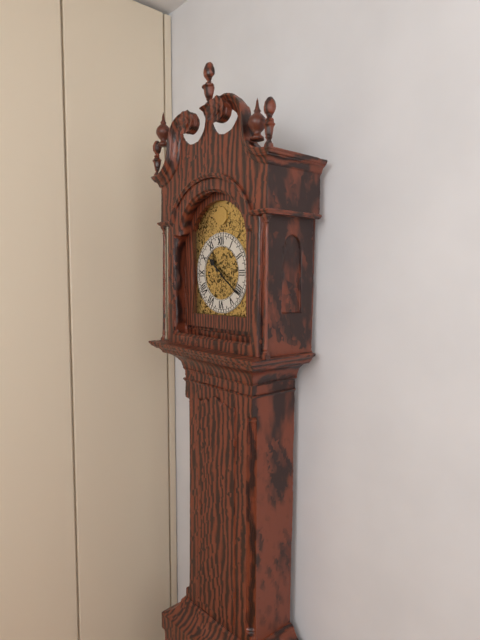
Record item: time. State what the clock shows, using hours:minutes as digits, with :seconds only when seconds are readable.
10:21
